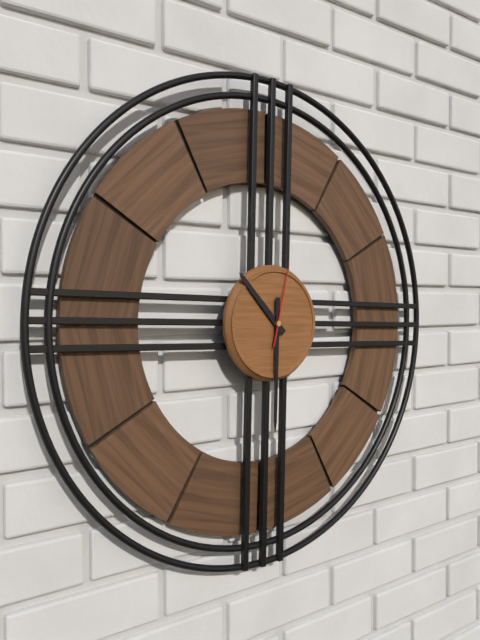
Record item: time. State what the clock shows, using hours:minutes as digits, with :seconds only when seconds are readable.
10:30:02
